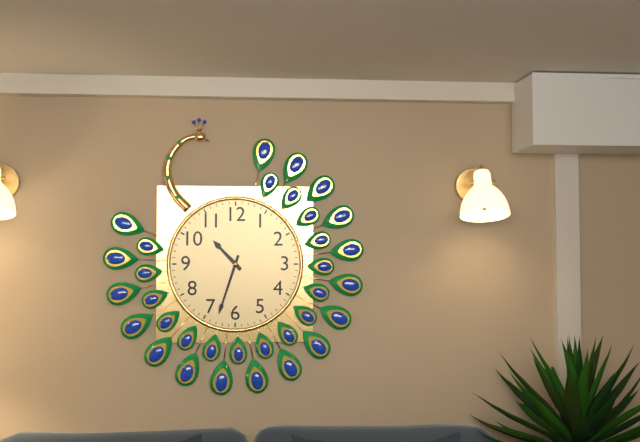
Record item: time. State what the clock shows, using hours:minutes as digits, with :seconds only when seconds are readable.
10:33
